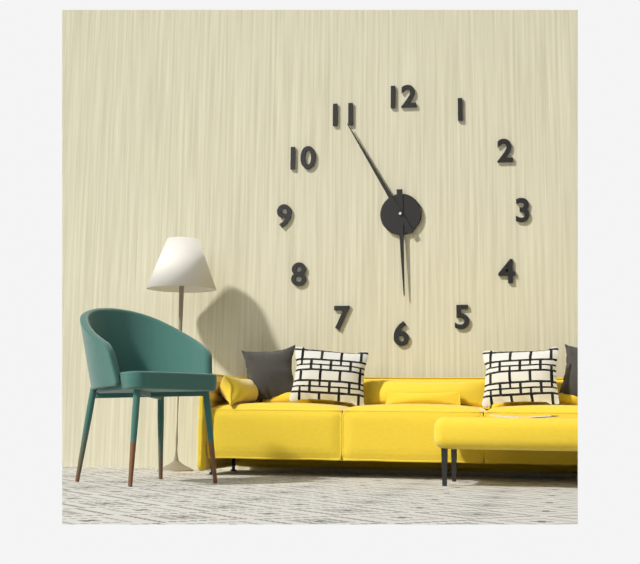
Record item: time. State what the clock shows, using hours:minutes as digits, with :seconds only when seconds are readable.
5:55
